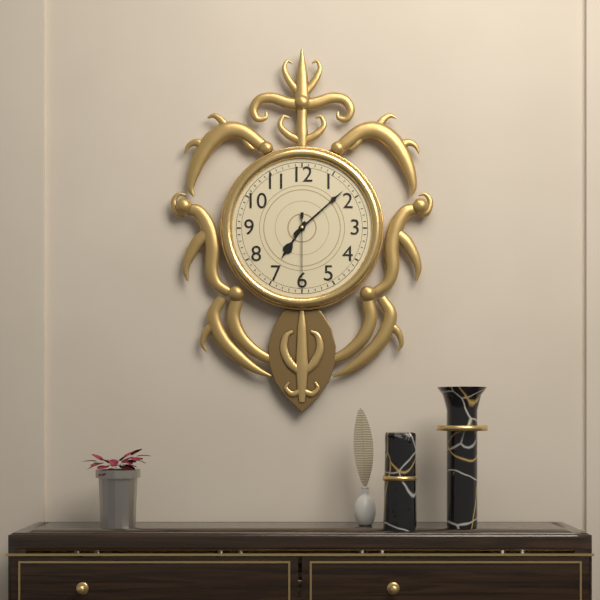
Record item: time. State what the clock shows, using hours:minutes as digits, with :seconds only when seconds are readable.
7:08:30
